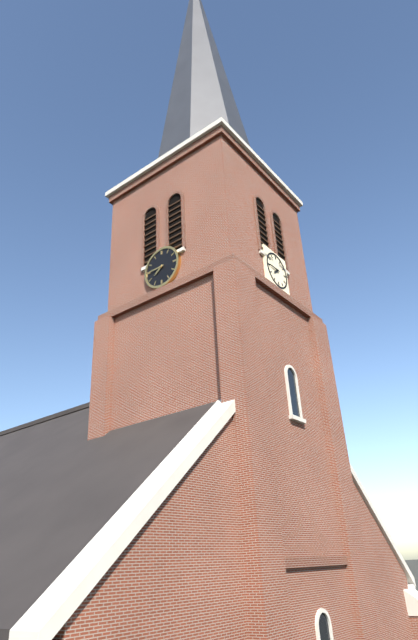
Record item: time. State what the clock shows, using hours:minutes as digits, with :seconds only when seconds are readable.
7:45
